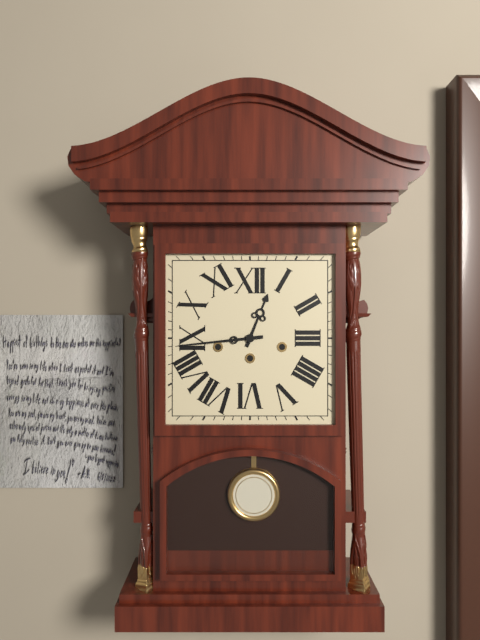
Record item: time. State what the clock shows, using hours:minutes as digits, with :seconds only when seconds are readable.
12:44
